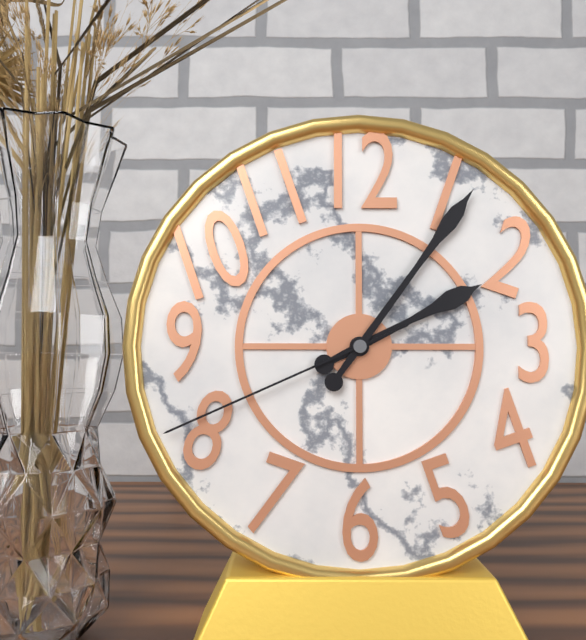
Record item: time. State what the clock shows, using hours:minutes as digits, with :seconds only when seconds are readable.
2:06:41
